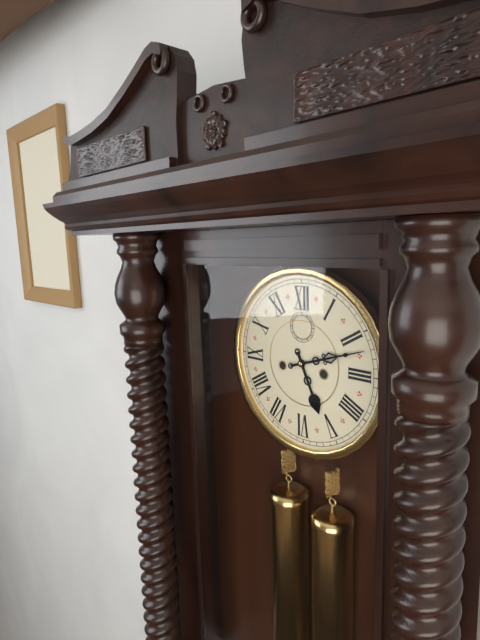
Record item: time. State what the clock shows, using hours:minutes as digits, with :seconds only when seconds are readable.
5:12
